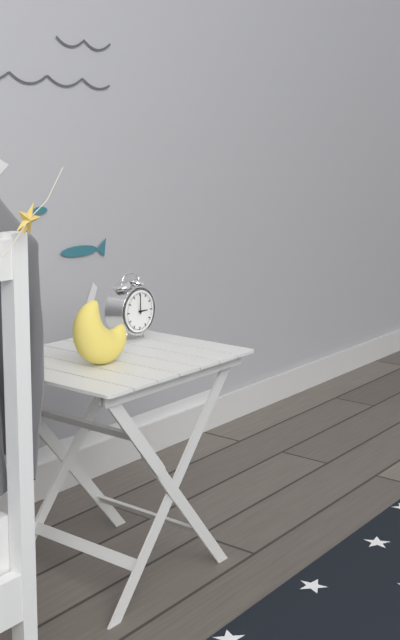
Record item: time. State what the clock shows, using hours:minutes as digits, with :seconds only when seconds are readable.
3:00
